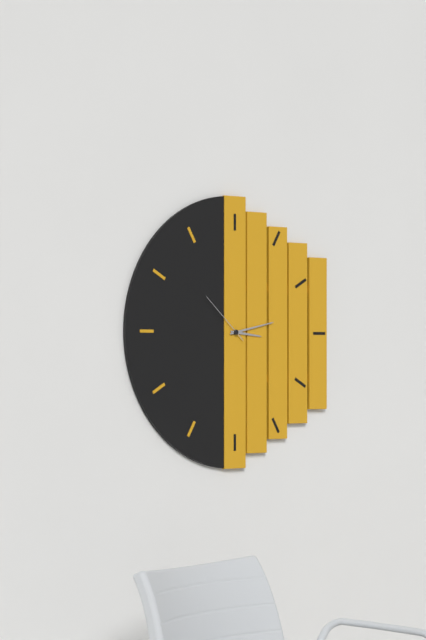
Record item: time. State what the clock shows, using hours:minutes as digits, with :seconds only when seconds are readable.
3:13:52
